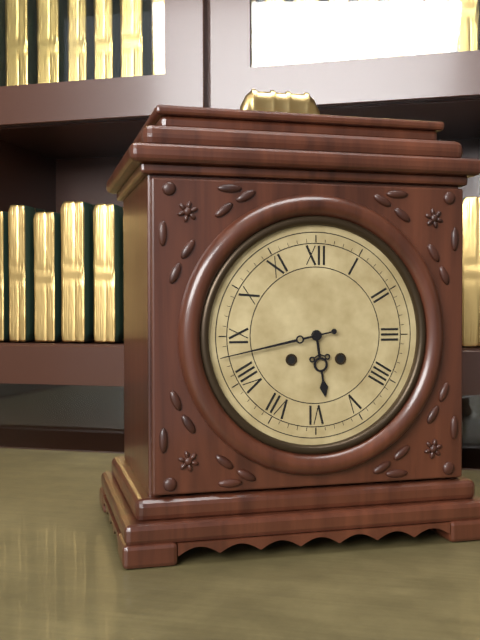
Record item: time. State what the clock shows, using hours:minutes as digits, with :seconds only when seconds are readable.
5:43
